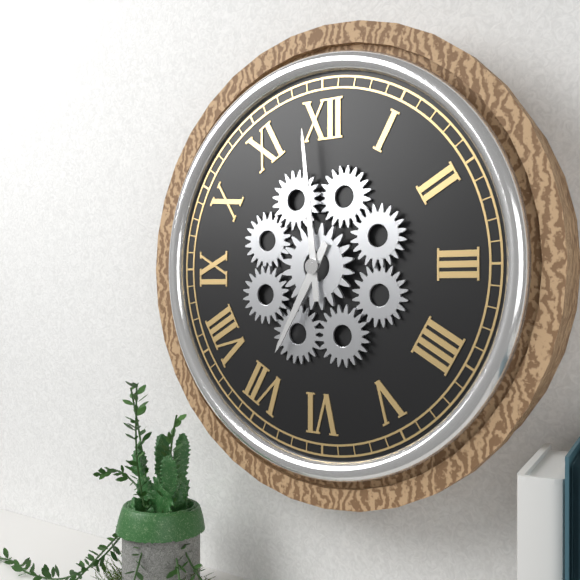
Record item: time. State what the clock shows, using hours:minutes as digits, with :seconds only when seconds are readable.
6:59
